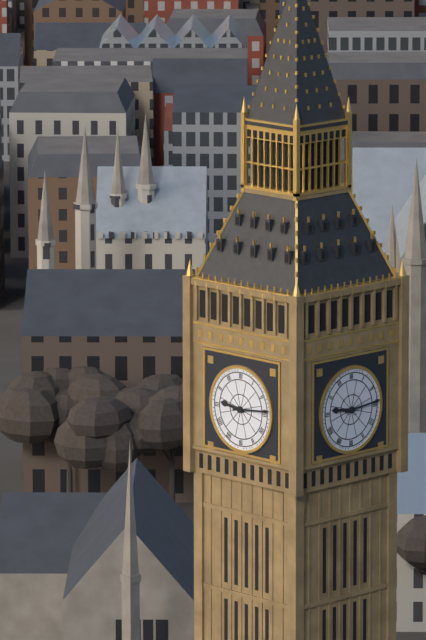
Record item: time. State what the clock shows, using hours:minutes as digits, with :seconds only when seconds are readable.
9:14
